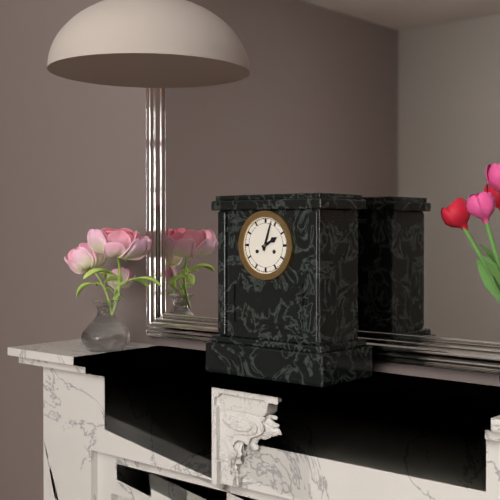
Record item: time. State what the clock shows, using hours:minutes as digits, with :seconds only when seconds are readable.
2:03
